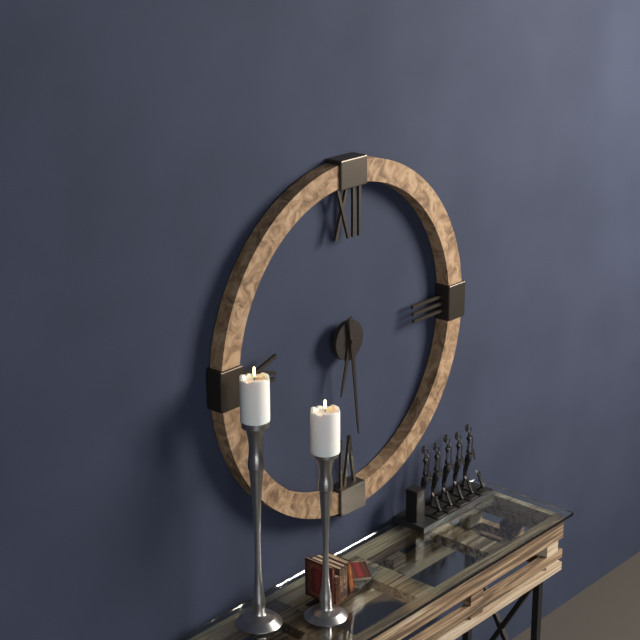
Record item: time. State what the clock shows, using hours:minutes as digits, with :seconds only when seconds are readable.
6:29
